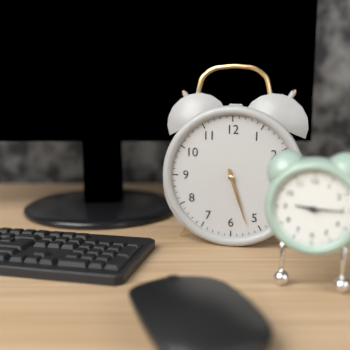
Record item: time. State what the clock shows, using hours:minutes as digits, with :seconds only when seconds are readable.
5:27
